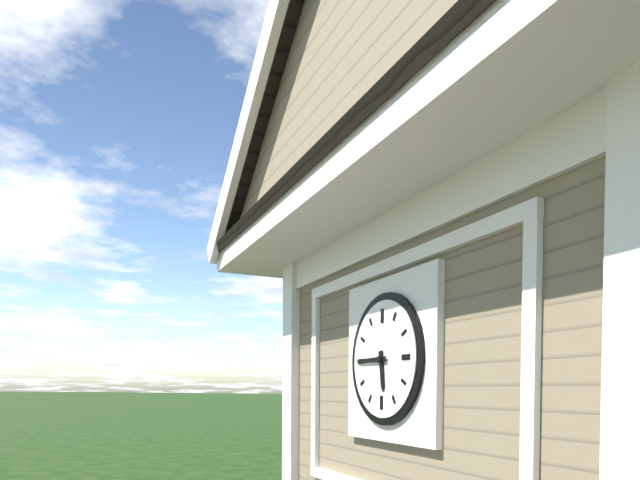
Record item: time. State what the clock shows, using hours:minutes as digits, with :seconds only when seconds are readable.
5:45
